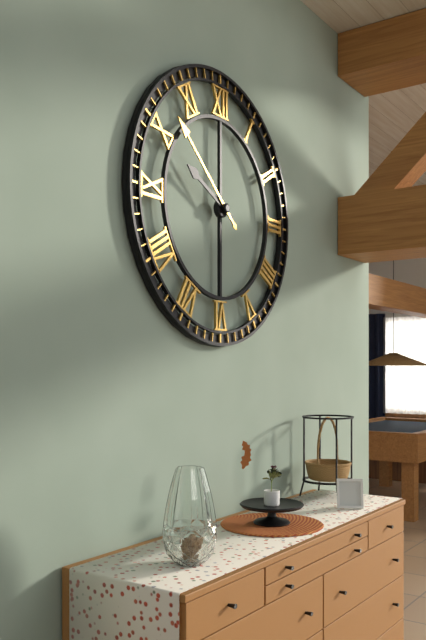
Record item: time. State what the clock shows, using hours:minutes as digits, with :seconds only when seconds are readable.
9:52
